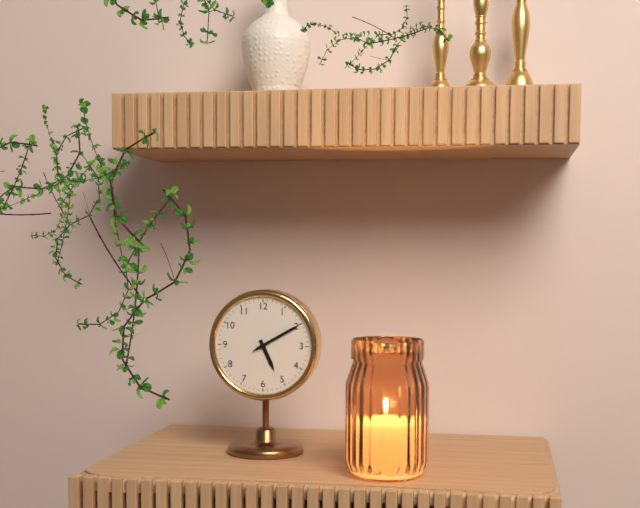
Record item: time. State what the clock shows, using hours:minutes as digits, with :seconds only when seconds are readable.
5:10:10
